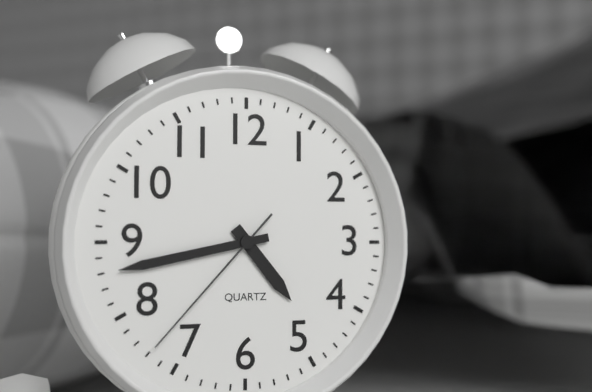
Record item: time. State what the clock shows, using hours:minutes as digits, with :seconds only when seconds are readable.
4:43:37
